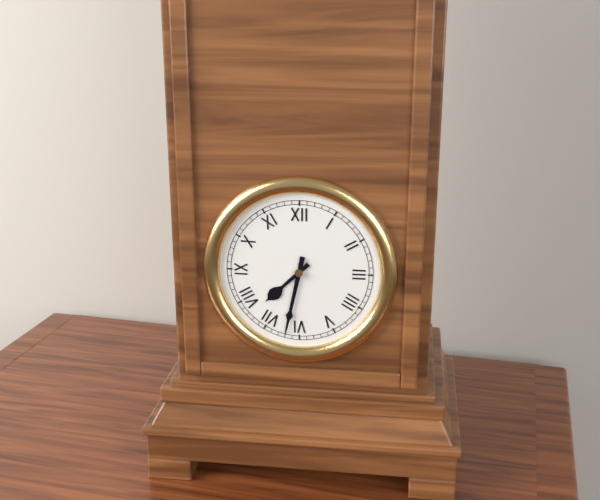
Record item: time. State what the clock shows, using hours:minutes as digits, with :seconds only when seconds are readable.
7:32
